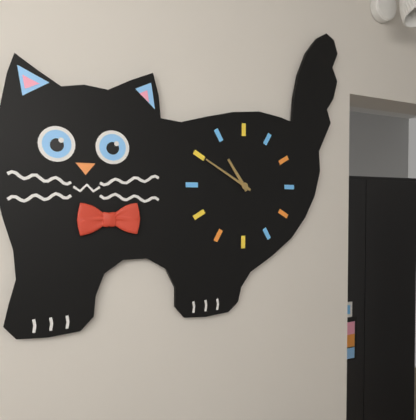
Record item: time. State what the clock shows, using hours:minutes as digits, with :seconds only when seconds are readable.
10:50
